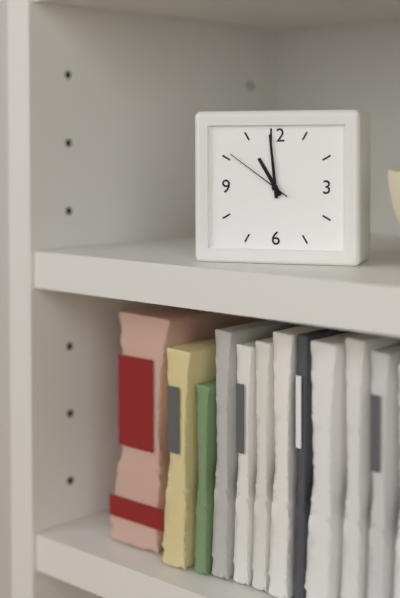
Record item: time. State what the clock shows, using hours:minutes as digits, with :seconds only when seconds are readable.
10:59:51
